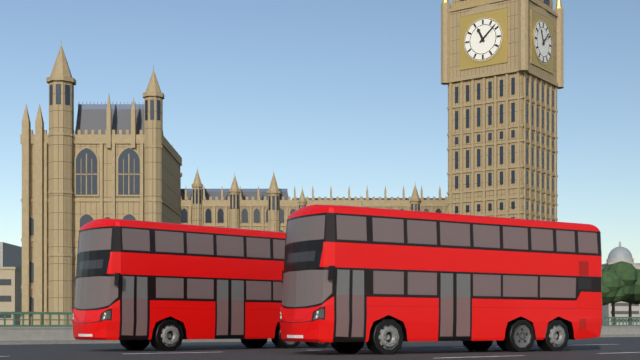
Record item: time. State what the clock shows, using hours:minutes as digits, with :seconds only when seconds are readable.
11:08
